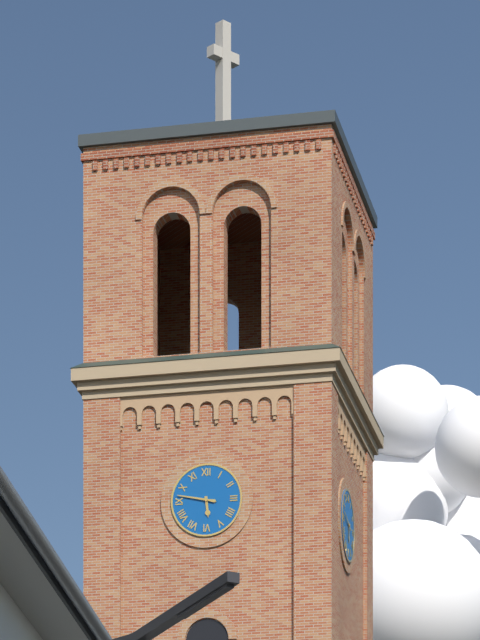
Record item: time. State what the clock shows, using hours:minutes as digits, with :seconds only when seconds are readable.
5:47
